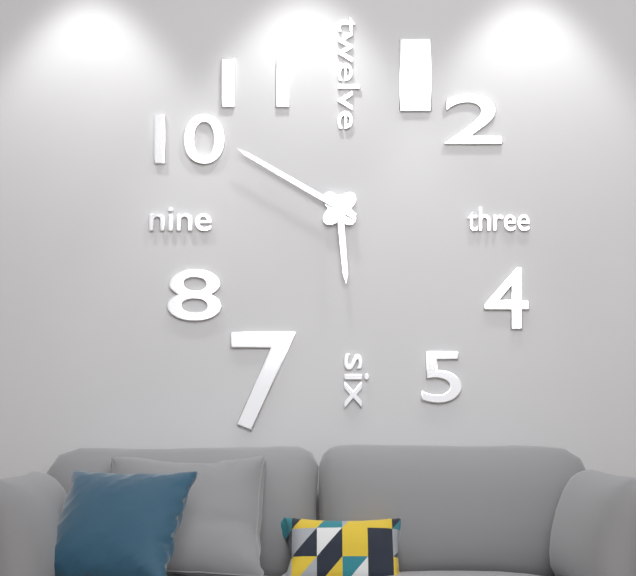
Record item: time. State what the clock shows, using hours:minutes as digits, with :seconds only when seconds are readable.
5:50
